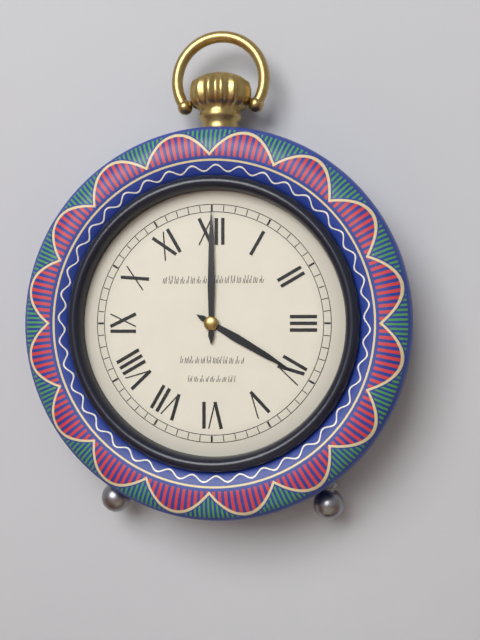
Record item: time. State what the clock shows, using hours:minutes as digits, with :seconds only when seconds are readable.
4:00
